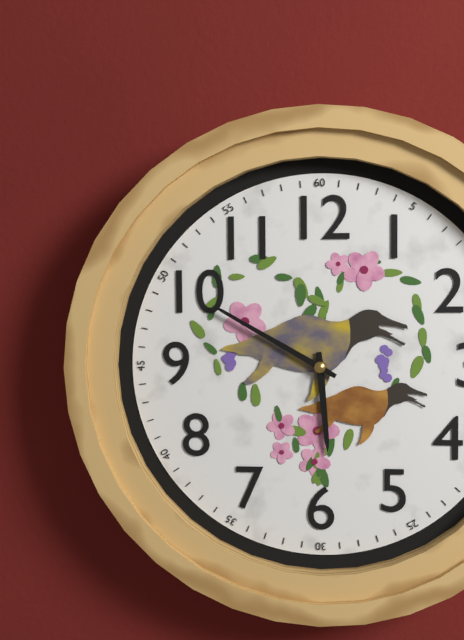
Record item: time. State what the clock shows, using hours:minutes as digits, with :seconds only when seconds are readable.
5:50
